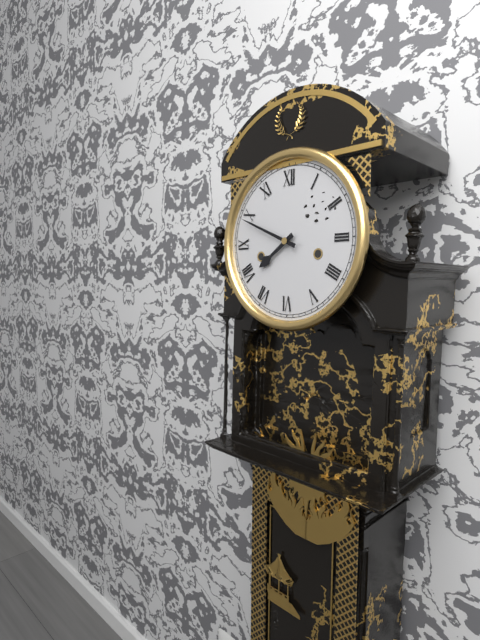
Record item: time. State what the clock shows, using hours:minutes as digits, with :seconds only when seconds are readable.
7:49
